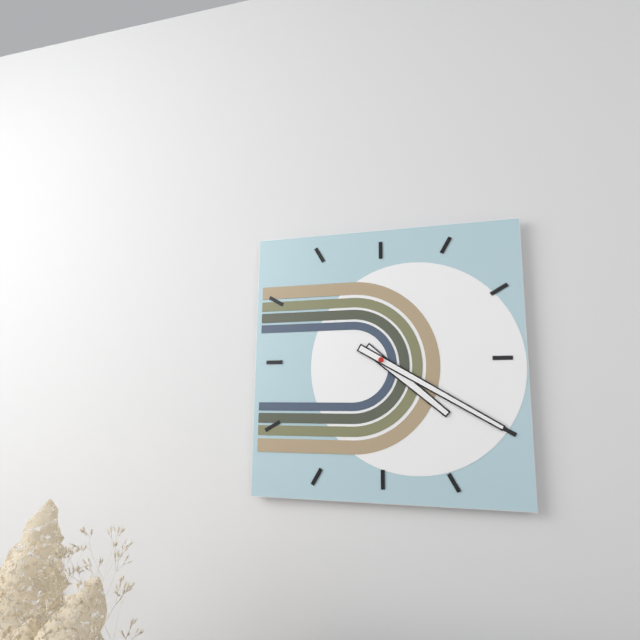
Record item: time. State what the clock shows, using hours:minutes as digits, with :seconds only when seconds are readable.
4:20
